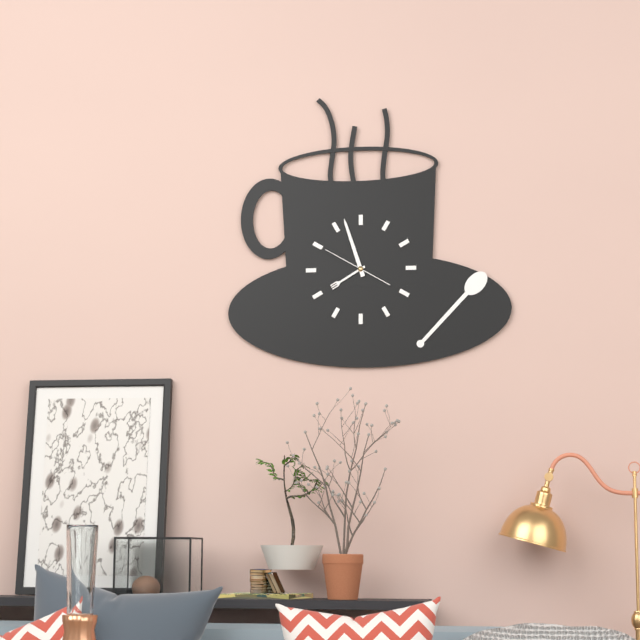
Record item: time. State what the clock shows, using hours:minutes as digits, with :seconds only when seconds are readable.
7:57:50
